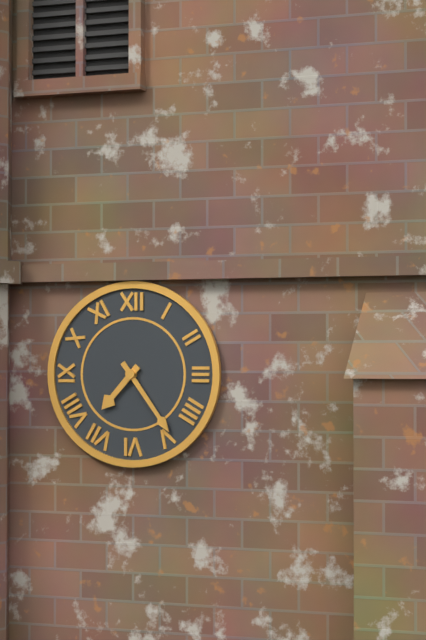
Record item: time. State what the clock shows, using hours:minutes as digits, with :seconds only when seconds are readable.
7:24
